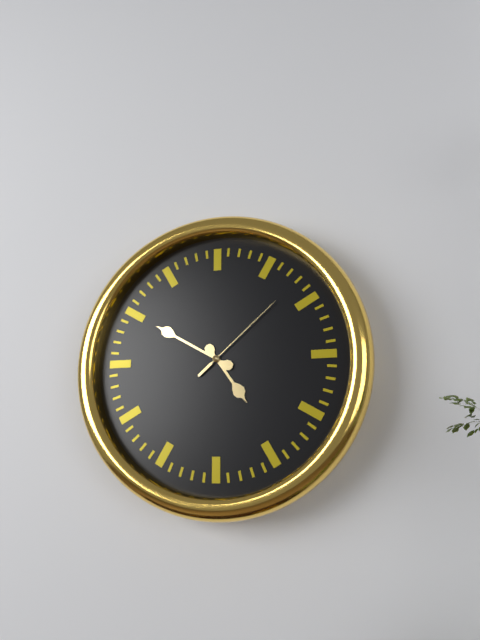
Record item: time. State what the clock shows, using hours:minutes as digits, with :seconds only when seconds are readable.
4:50:08
